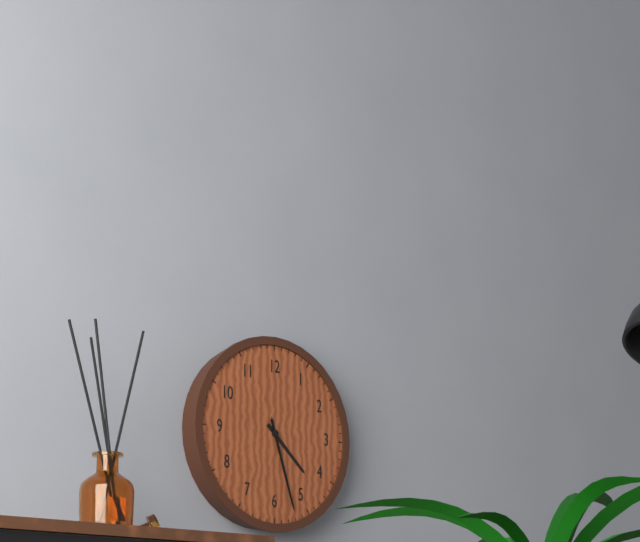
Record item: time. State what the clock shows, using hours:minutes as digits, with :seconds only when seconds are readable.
4:27:27
